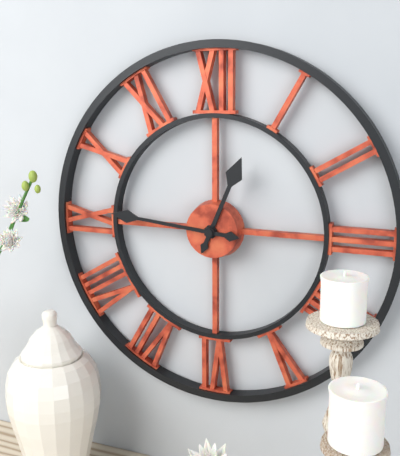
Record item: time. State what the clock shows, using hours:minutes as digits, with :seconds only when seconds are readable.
12:46
